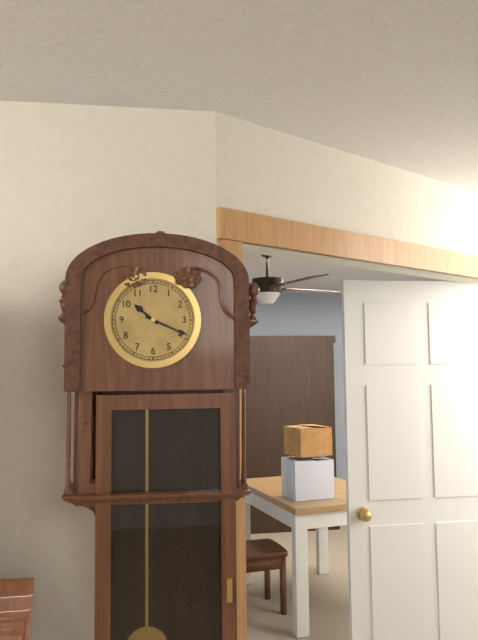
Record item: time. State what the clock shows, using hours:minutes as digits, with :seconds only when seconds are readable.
10:19
